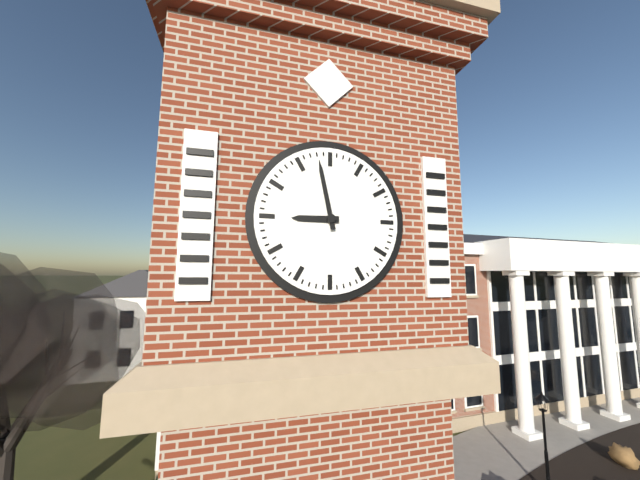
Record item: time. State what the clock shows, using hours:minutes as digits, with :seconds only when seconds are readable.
8:58
